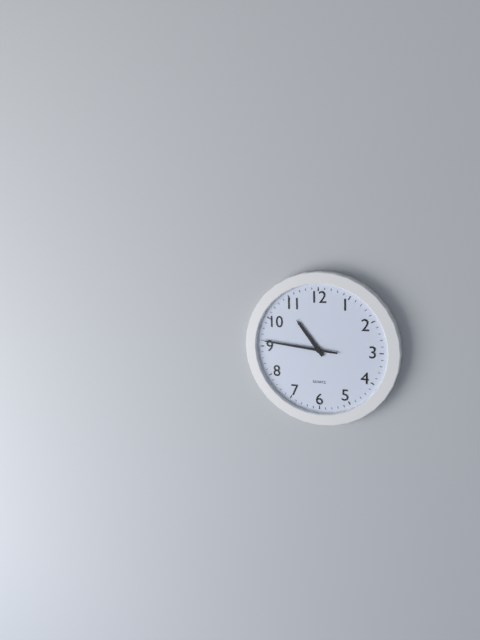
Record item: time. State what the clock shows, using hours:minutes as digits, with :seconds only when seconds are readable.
10:46
